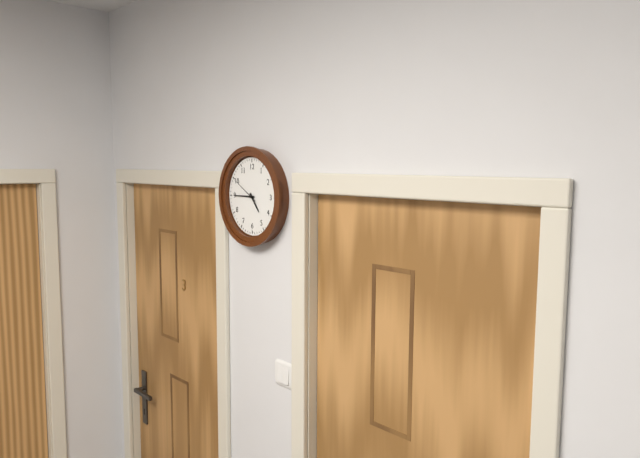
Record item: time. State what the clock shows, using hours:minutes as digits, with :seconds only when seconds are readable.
4:45
